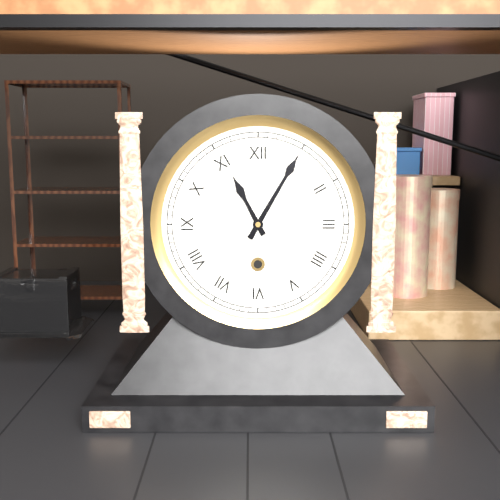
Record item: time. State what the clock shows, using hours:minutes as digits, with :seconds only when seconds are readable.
11:05
